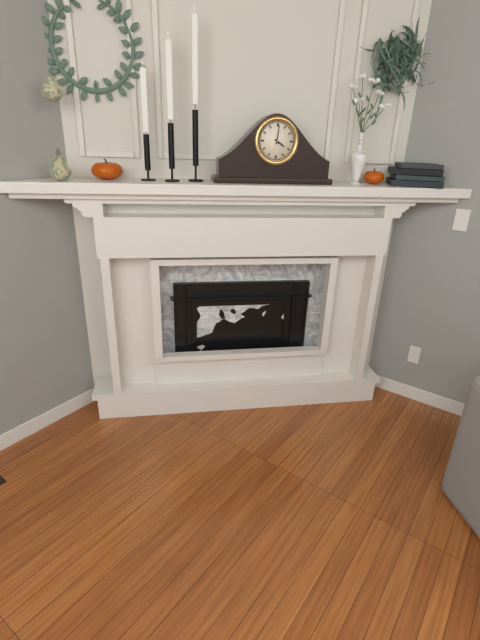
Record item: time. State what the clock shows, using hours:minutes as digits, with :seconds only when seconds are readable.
4:01
